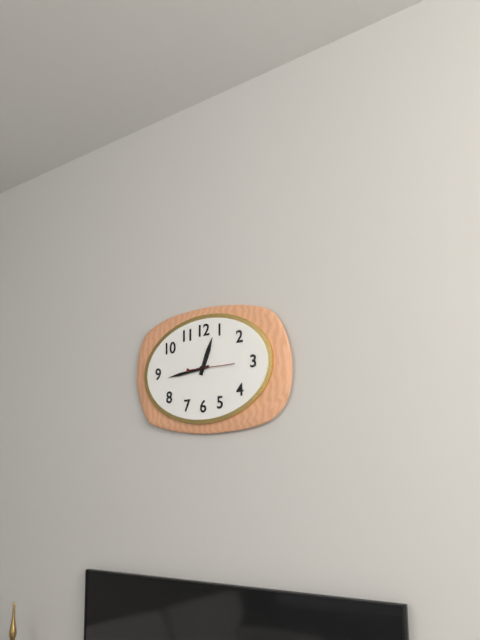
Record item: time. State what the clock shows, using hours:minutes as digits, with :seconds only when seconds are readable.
12:44
